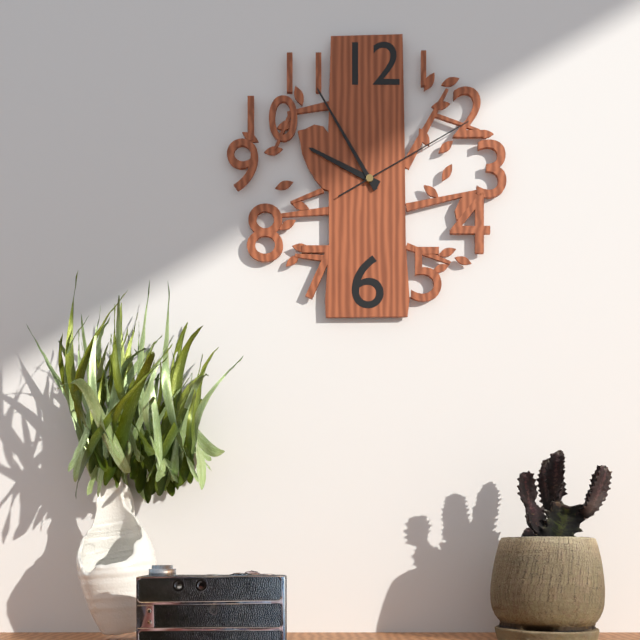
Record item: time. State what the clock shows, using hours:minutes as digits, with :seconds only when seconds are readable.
9:55:10
